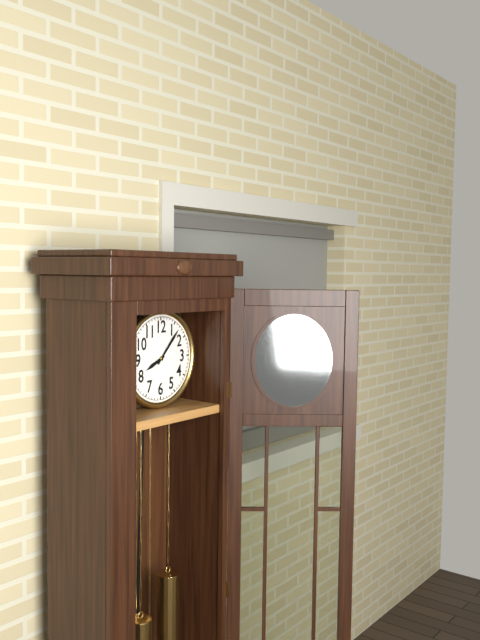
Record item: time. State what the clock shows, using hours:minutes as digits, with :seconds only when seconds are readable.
8:07
